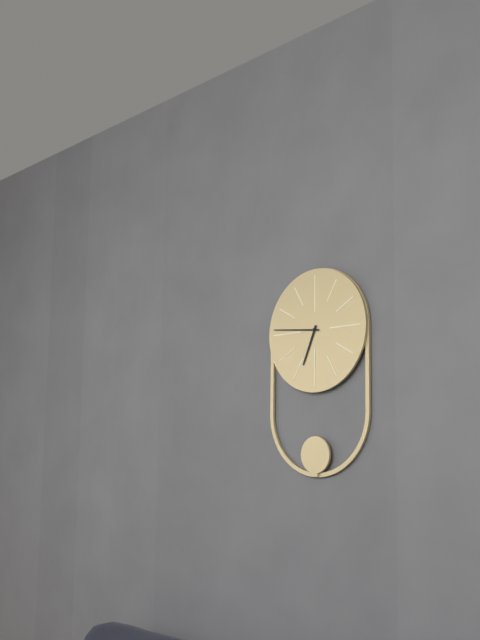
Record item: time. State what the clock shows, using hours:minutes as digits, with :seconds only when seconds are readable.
6:46
